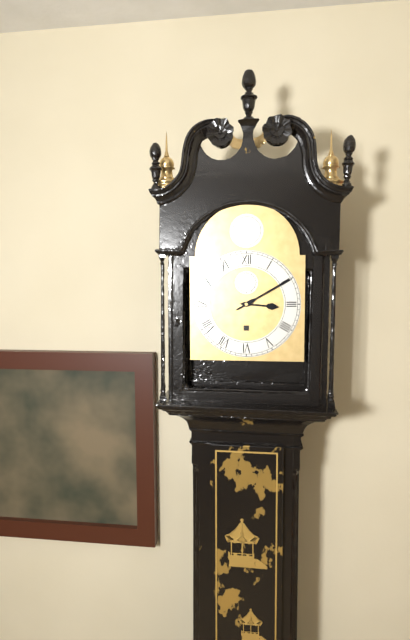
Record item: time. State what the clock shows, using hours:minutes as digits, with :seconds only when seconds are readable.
3:10
